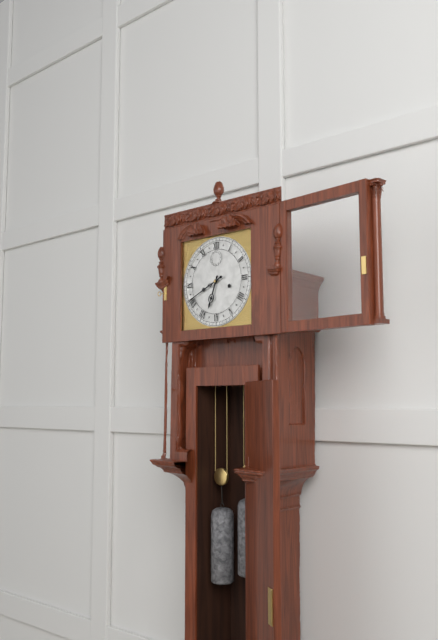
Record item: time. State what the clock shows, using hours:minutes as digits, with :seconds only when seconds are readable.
6:41
